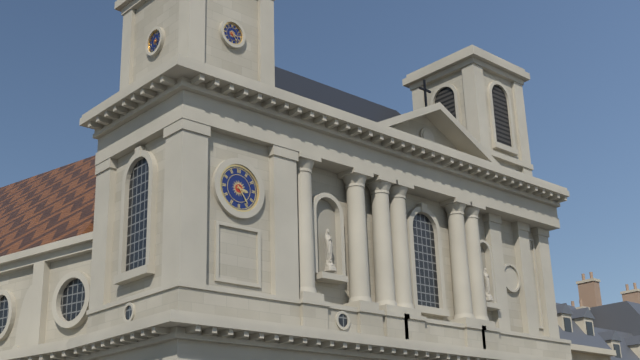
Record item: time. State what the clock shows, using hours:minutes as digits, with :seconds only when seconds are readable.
3:24
